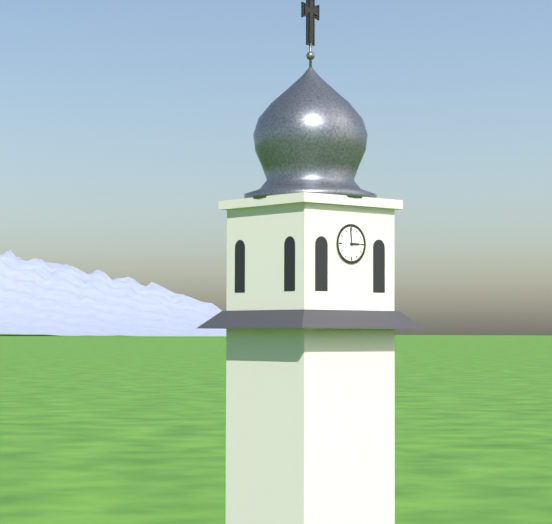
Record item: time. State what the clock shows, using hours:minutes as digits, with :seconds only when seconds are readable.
2:59
